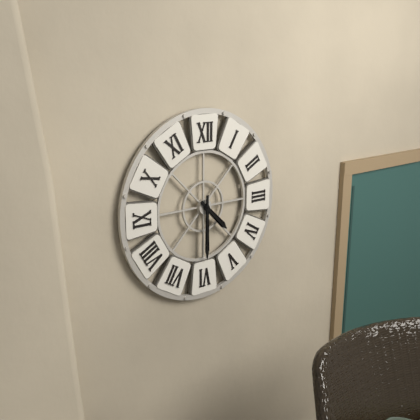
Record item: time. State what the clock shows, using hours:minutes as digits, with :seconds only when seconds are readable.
4:30
